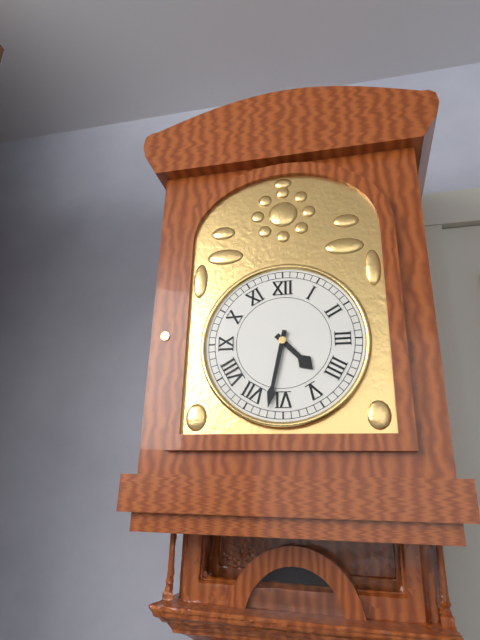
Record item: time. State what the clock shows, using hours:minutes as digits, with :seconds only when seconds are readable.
4:32
